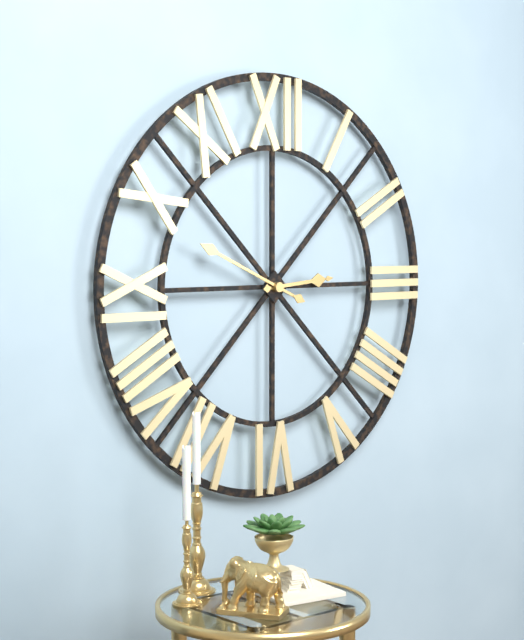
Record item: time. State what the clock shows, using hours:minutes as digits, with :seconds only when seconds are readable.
2:49
